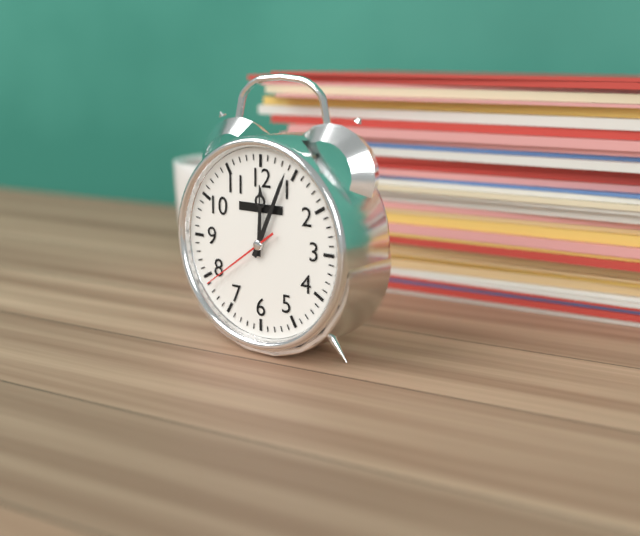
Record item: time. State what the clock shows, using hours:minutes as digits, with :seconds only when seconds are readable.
12:04:39
